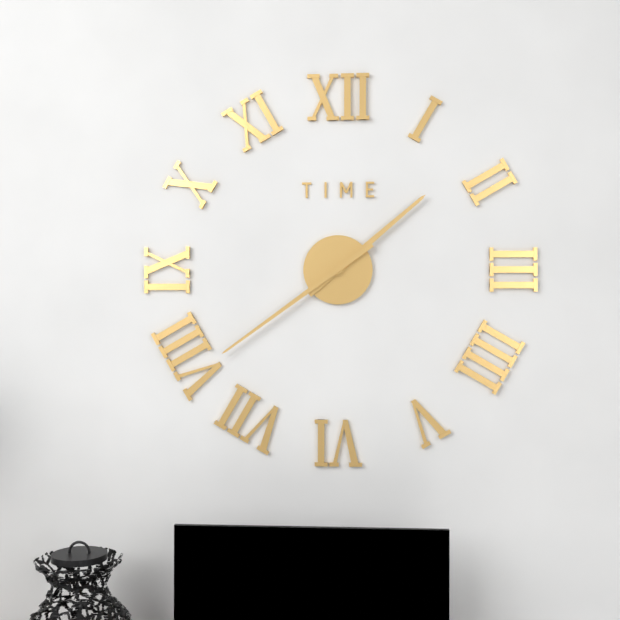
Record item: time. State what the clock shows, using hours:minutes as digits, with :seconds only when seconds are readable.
1:39
